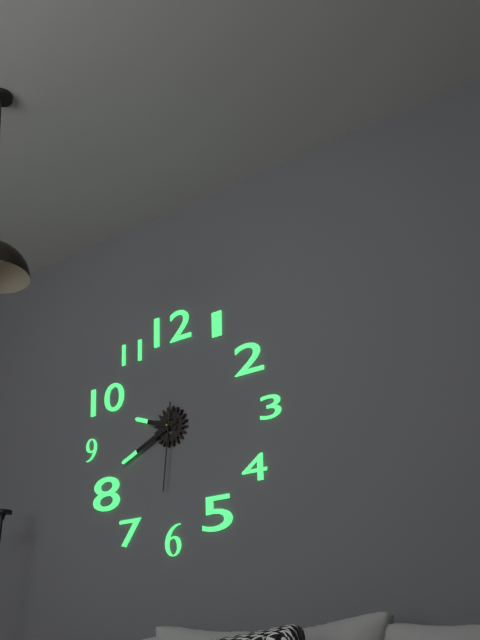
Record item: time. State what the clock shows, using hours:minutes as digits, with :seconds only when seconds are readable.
9:41:31
